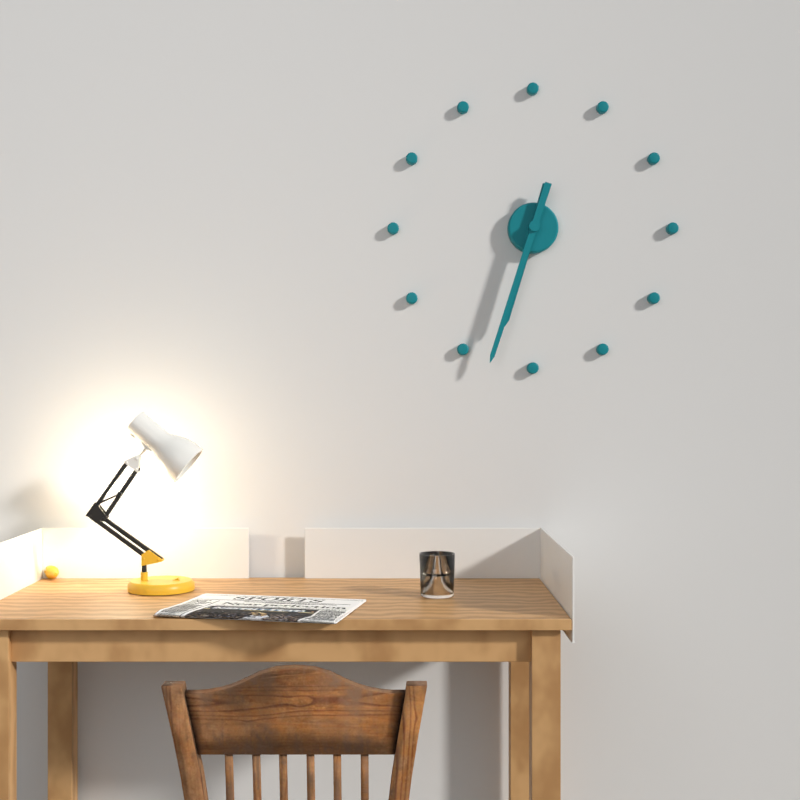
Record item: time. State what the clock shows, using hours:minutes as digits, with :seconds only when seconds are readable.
6:33
